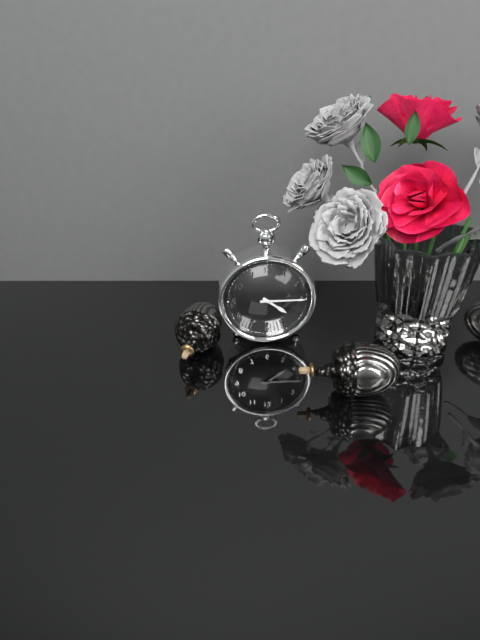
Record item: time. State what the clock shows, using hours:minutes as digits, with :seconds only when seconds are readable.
4:15
